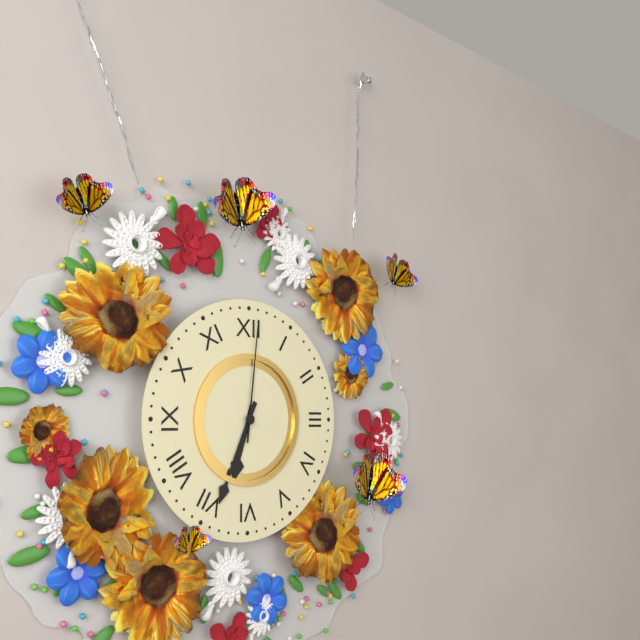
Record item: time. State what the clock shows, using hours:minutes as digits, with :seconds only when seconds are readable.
6:34:01
